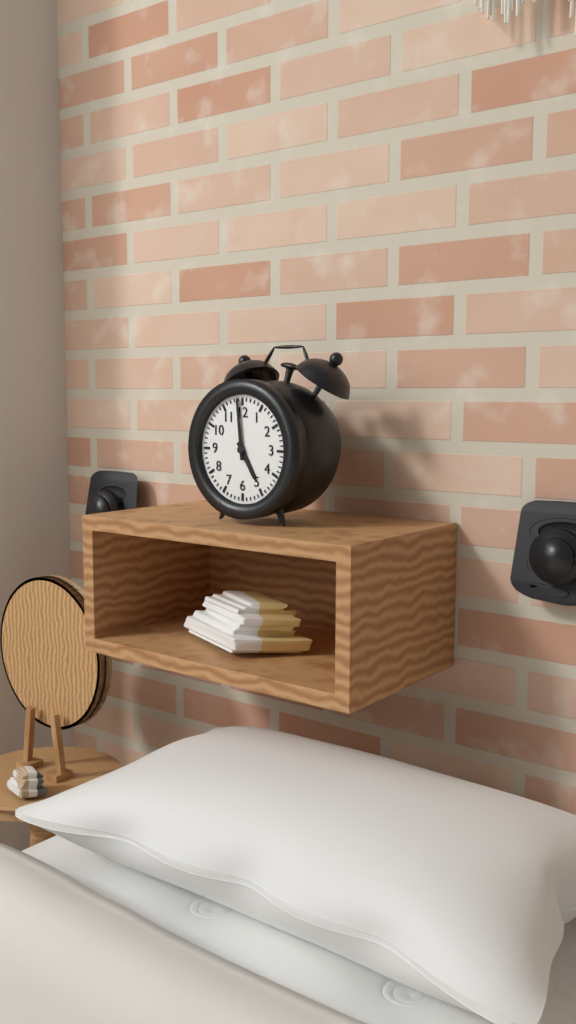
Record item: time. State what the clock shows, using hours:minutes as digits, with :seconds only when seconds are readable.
4:59
